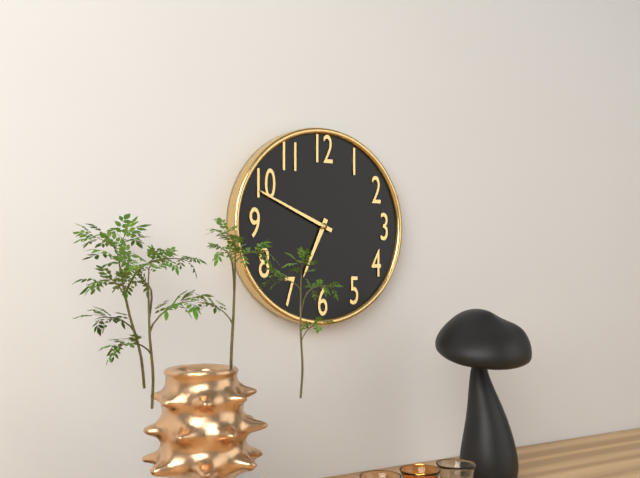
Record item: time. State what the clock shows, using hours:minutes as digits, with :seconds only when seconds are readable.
6:49
